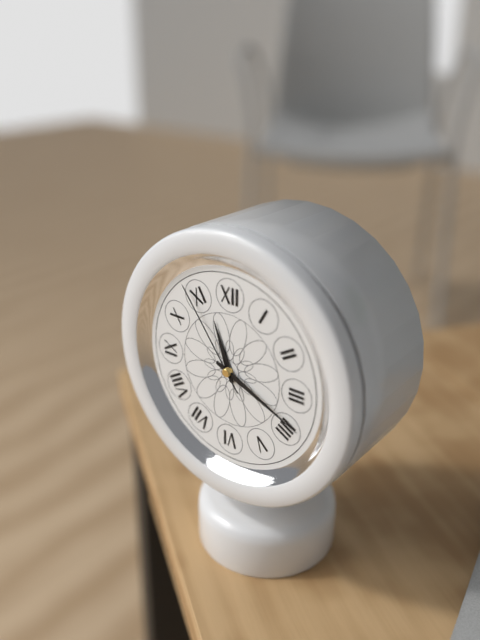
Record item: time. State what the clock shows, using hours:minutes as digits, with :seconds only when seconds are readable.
11:19:54
